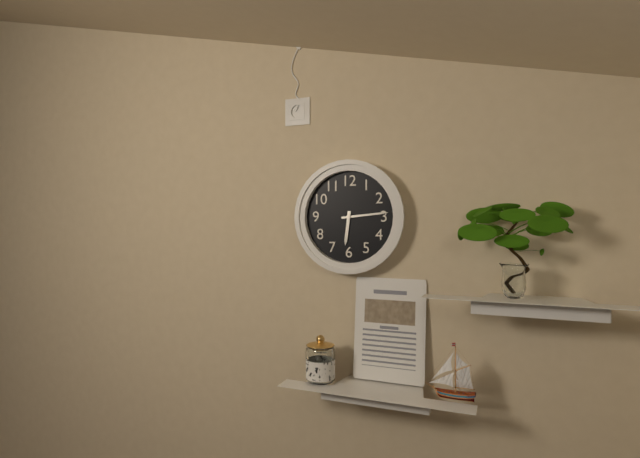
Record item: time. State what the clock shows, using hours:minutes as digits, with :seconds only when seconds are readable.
6:14
